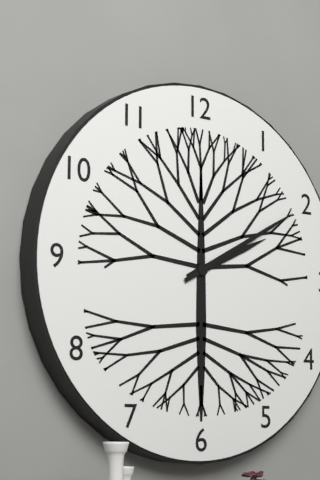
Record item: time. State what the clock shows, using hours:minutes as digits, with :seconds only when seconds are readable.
2:10
